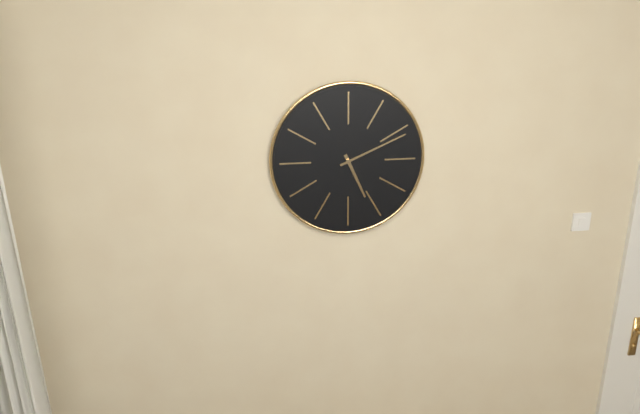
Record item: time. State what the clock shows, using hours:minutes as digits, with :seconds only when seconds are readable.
5:11
